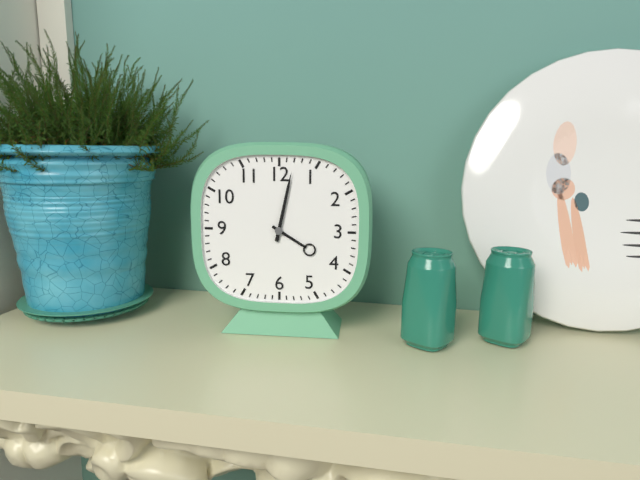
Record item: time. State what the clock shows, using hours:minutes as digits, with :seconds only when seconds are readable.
4:02
